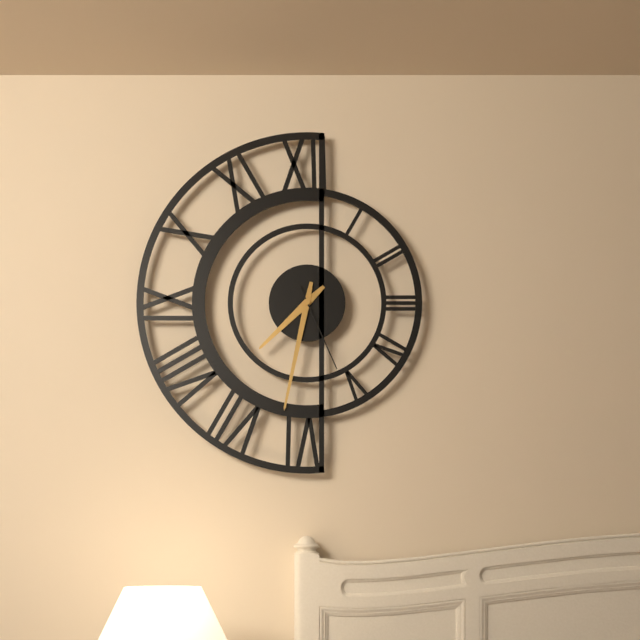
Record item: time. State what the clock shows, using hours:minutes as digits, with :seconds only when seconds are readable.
7:32:26
